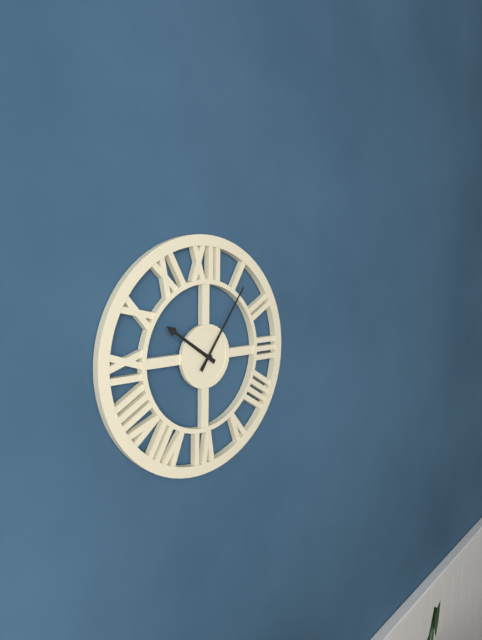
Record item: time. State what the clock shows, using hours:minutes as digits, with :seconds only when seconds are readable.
10:06
